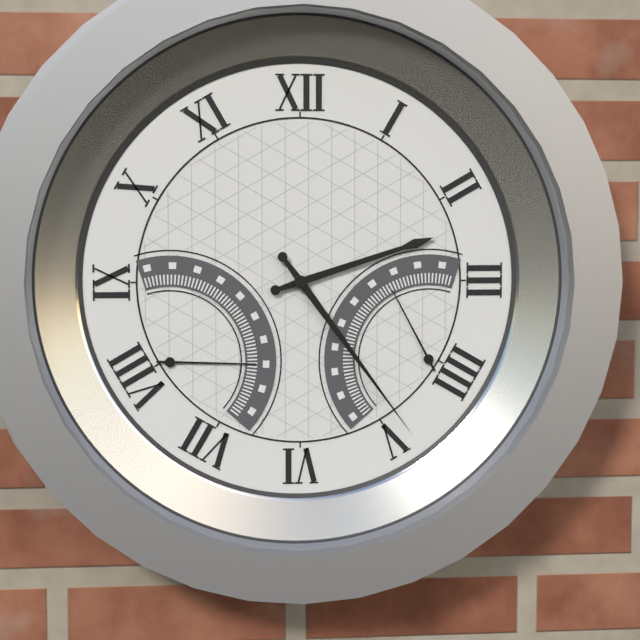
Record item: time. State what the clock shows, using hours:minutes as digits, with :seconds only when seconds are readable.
2:24
